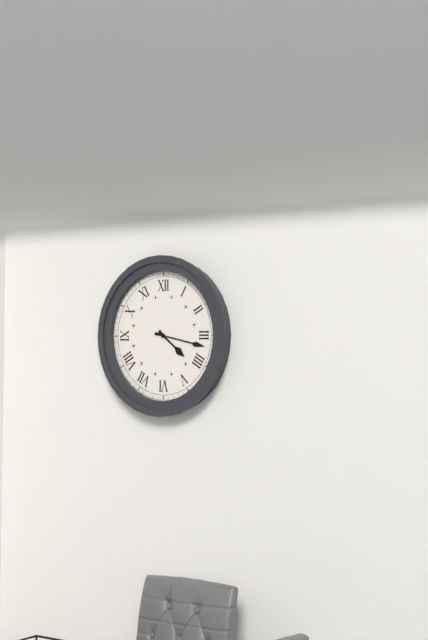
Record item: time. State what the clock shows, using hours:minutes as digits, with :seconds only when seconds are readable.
4:17
